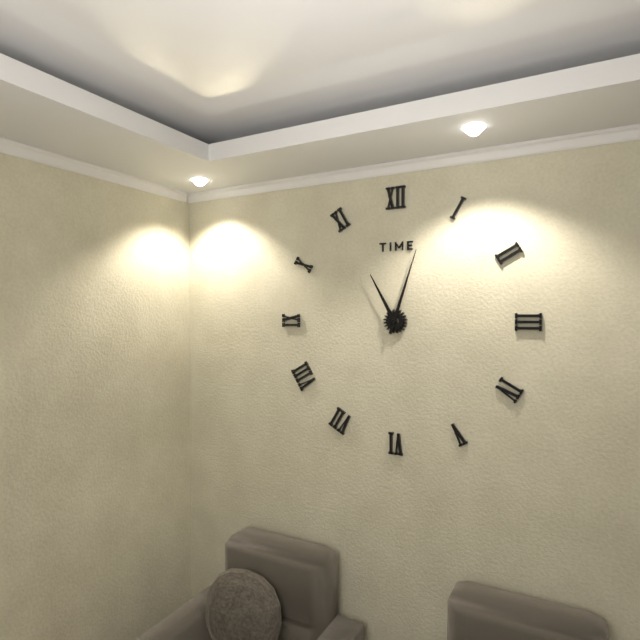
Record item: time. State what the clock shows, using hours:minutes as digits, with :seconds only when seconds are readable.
11:03
